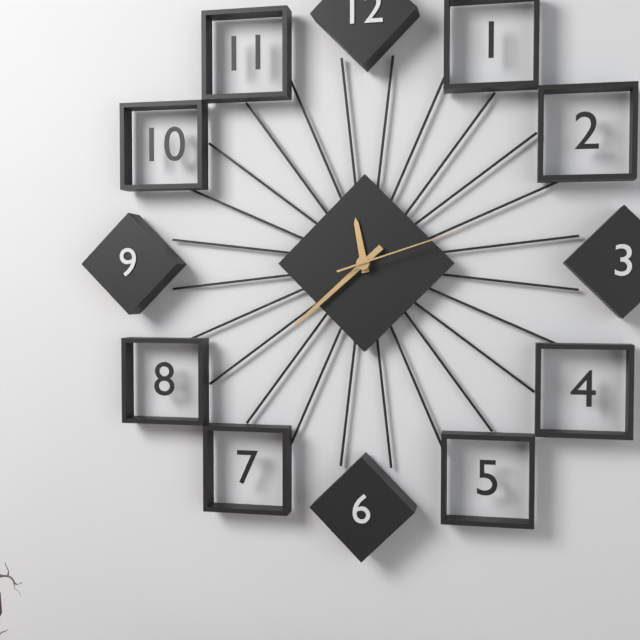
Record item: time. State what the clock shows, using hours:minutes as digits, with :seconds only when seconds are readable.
11:38:12
